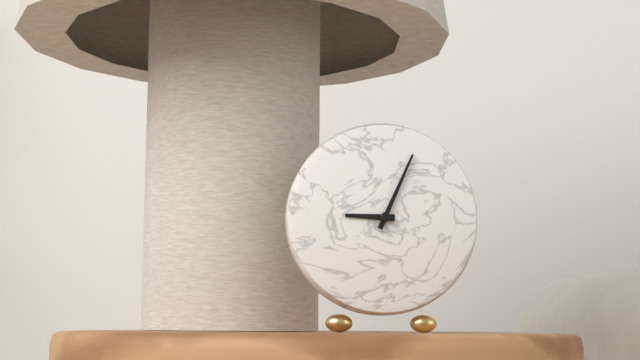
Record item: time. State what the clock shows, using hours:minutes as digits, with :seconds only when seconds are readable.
9:04
